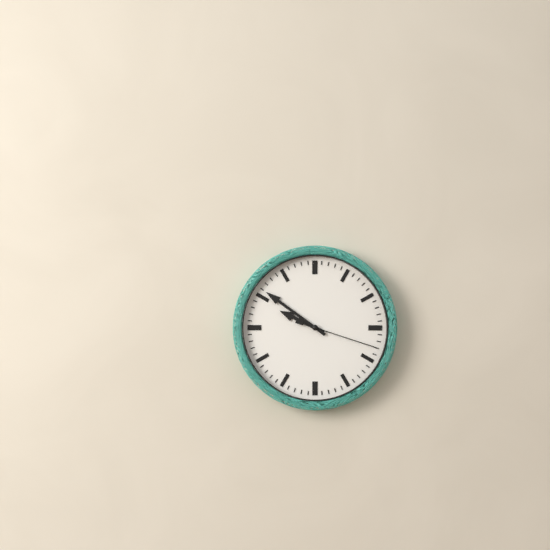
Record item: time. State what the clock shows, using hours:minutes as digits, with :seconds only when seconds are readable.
9:51:18
